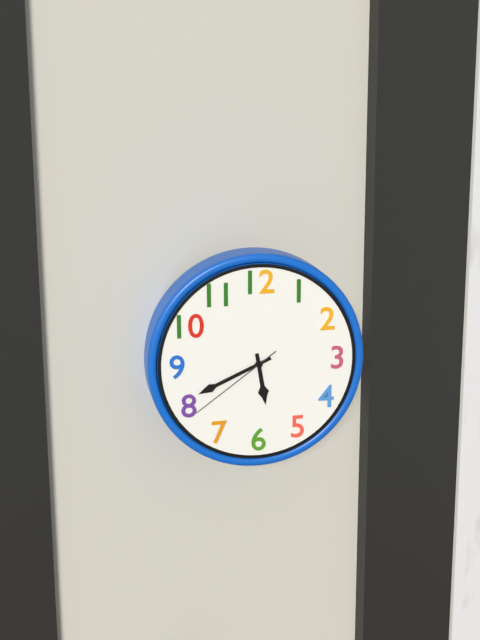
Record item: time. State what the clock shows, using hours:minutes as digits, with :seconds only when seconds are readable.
5:41:39
